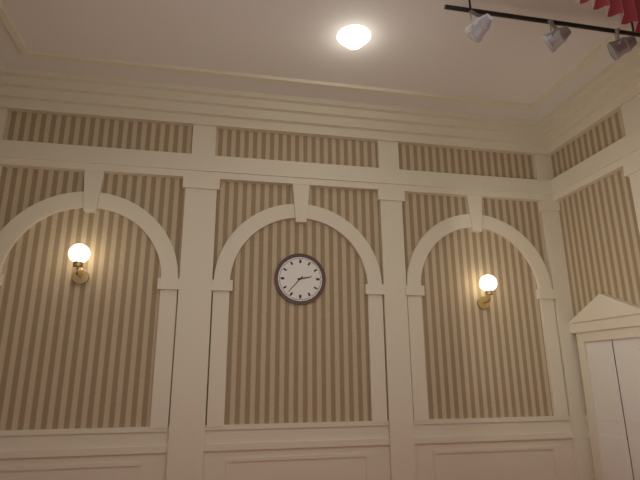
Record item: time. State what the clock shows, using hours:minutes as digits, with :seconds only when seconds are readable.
2:37
